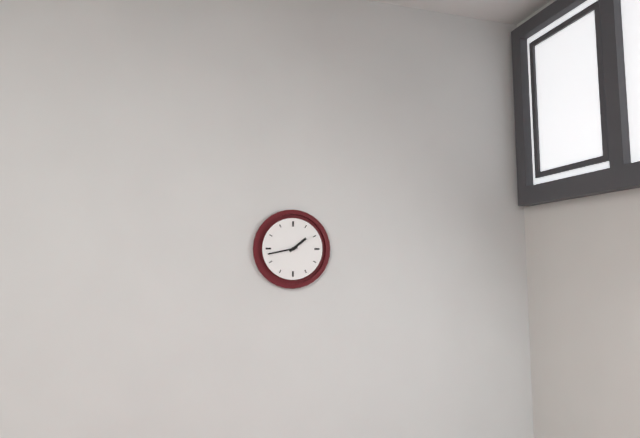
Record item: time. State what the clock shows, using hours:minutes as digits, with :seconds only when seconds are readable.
1:43
